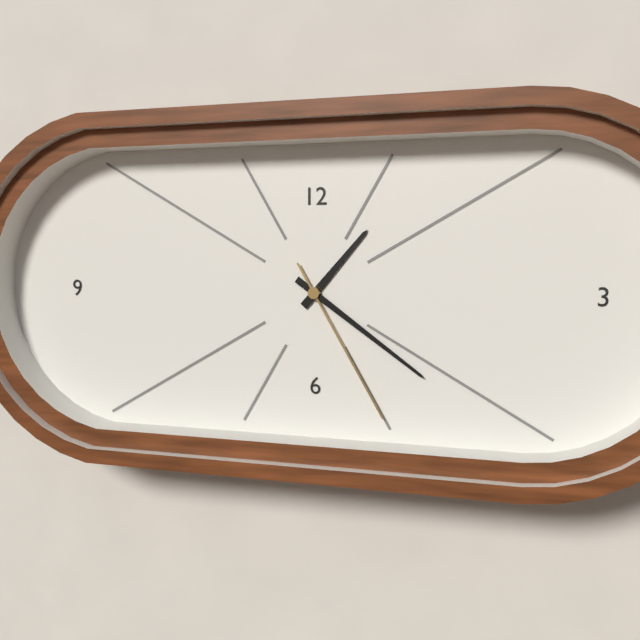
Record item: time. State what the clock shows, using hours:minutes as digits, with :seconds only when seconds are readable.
1:21:25
